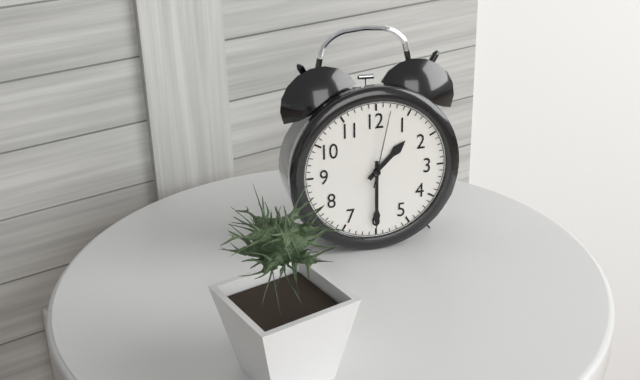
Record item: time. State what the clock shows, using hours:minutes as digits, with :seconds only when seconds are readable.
1:30:02
